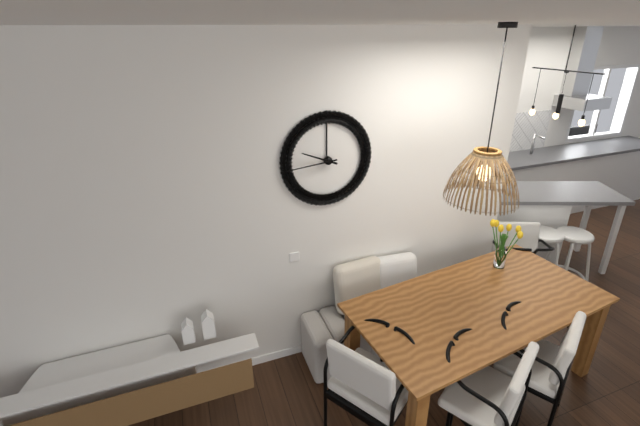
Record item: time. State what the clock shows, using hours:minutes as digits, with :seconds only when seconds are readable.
9:44
